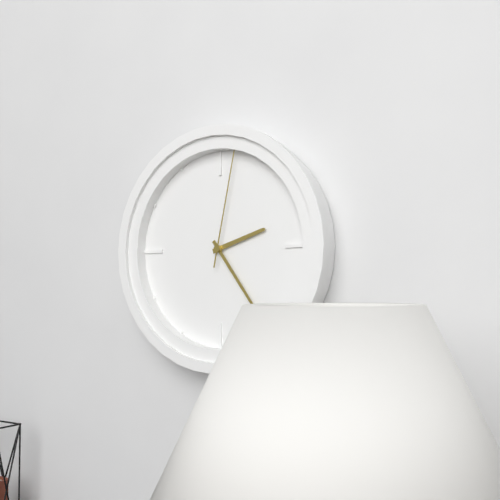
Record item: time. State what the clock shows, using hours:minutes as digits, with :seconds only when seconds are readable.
2:24:02
